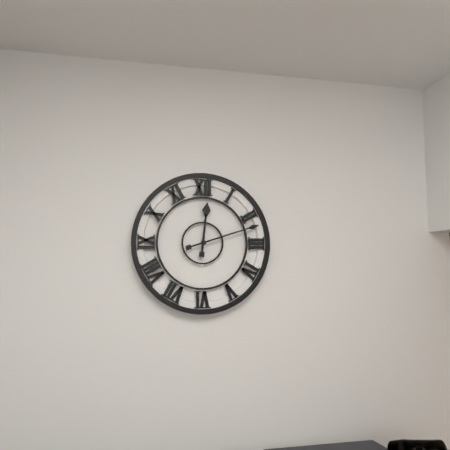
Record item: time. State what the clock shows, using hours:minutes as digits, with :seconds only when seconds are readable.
12:12
